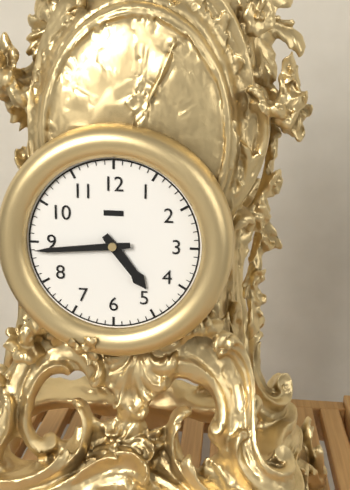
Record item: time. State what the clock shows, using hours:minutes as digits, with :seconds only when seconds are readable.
4:44
